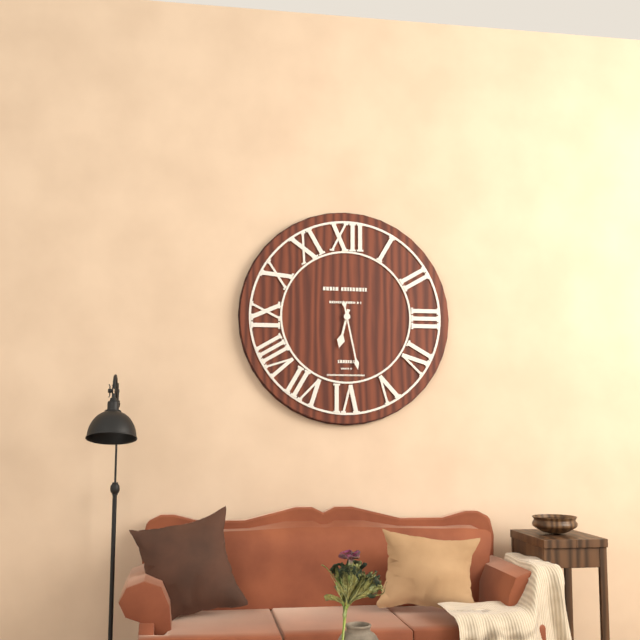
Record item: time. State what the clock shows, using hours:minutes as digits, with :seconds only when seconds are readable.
6:28
